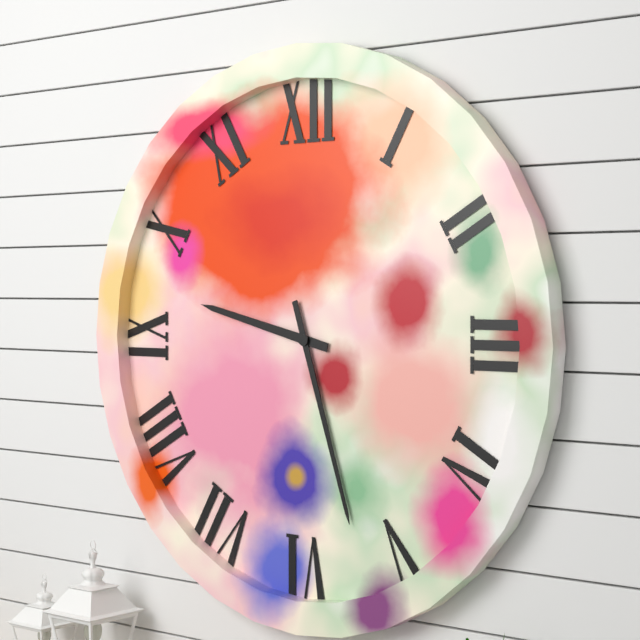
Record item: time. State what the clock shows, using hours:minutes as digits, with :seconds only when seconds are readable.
9:27
